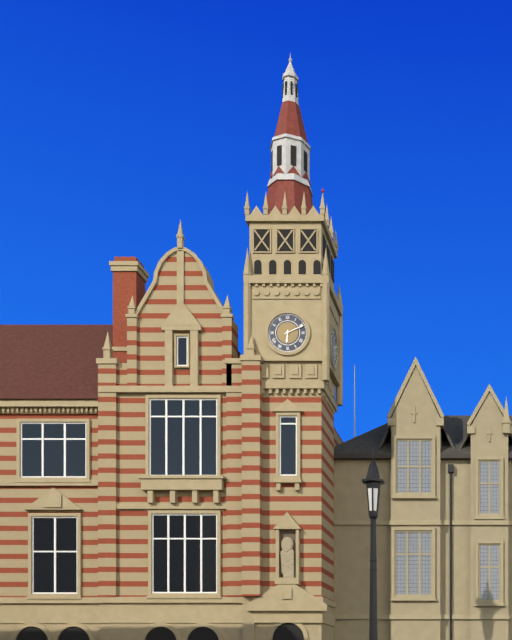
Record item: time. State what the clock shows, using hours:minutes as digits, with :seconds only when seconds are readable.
6:11
